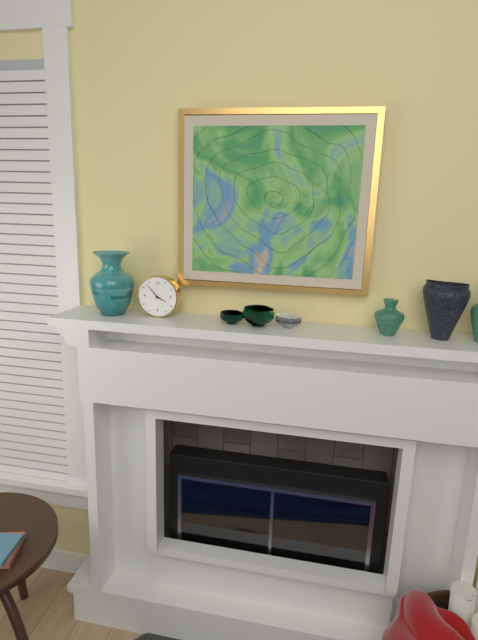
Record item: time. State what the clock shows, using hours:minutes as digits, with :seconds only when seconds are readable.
3:53
